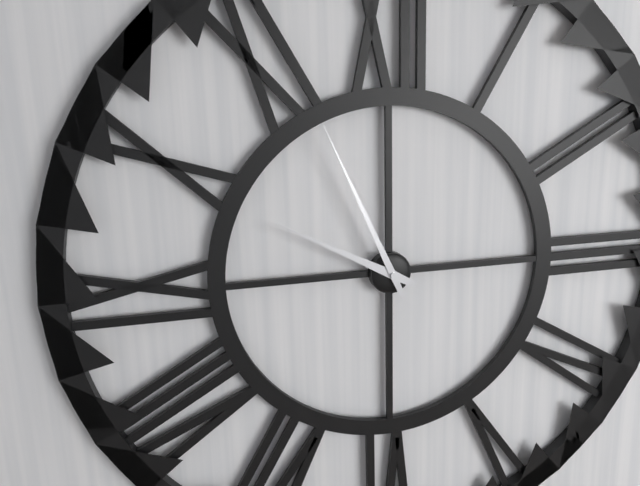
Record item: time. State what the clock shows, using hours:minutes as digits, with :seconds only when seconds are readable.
9:56
